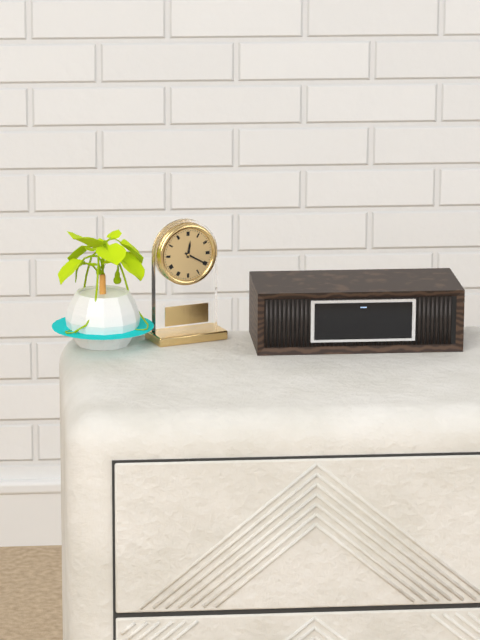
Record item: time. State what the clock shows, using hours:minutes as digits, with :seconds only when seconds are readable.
12:20
